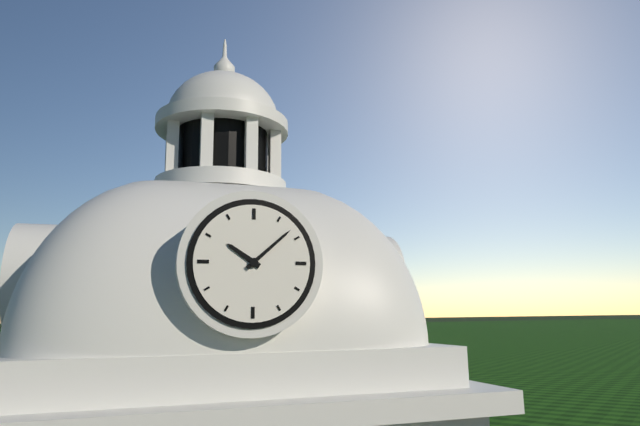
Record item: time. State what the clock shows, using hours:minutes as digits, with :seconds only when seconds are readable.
10:08
